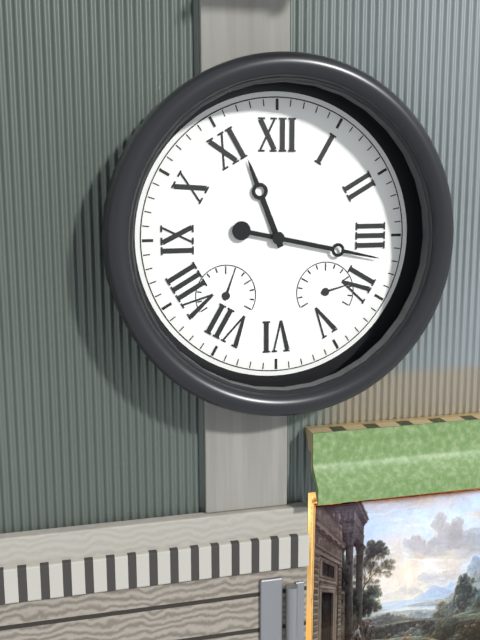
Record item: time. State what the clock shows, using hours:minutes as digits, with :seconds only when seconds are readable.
11:17
